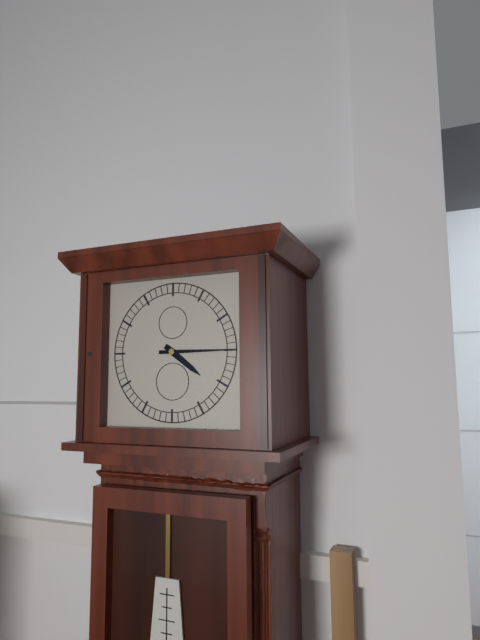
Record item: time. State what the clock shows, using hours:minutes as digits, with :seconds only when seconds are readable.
4:15
